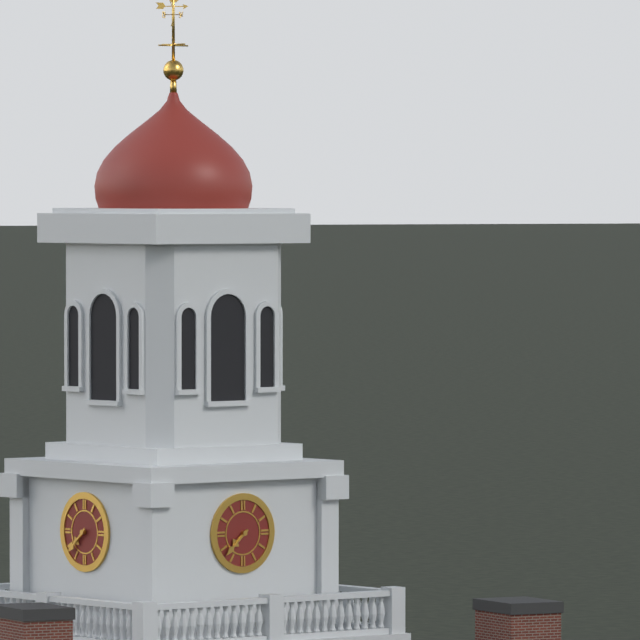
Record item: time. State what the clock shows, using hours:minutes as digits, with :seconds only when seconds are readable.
7:38
